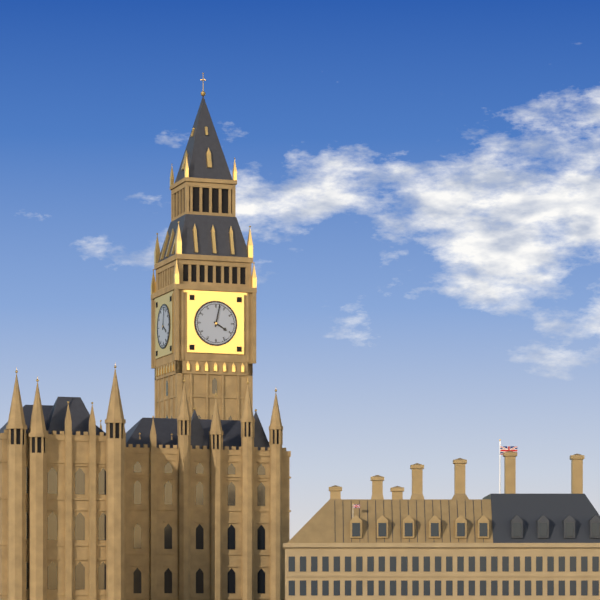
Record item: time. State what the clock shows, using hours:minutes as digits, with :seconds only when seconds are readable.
4:02
